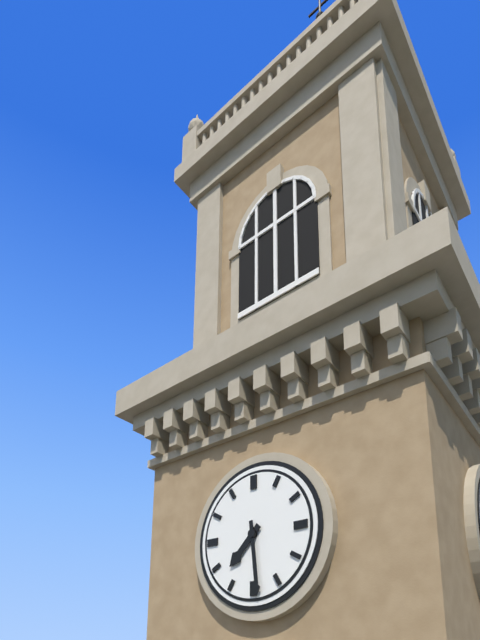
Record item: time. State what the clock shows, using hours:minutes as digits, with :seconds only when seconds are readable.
7:29
